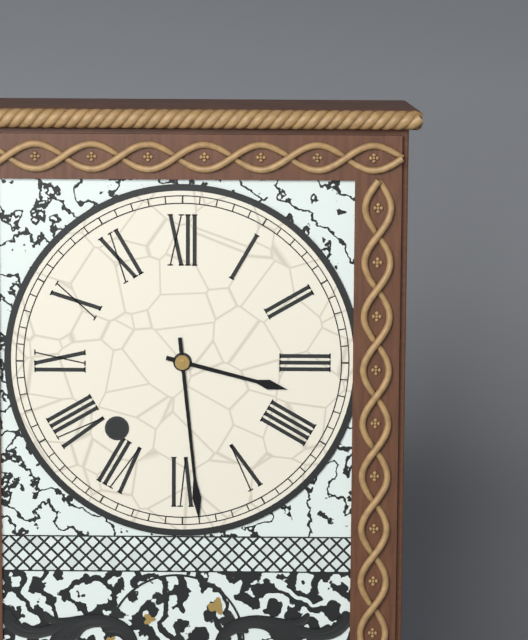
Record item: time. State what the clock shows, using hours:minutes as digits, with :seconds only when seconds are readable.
3:29
